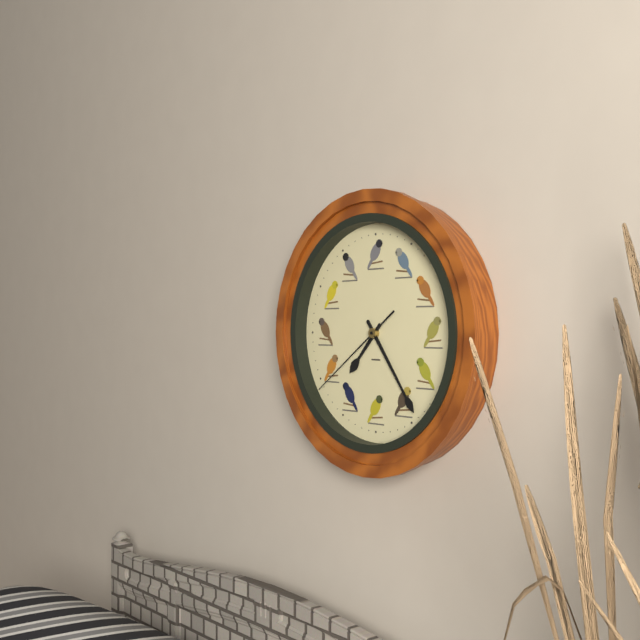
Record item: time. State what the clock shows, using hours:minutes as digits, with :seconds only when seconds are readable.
7:24:39
